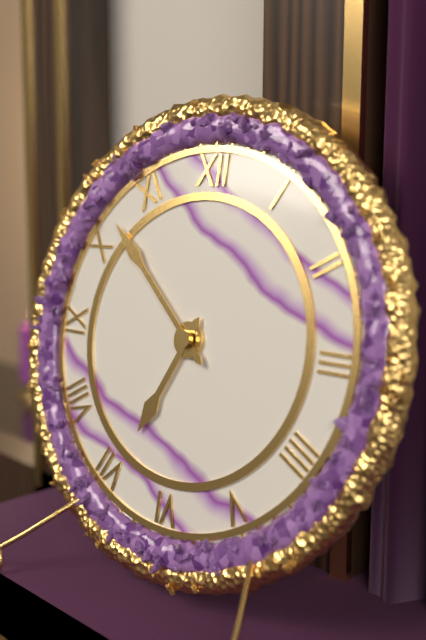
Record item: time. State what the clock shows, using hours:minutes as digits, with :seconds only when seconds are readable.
6:52
